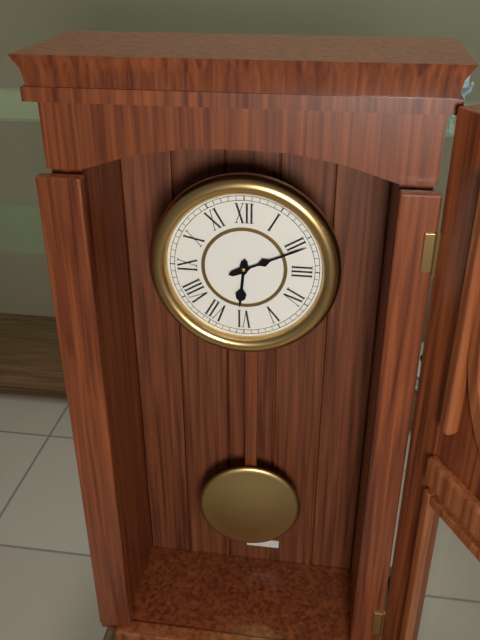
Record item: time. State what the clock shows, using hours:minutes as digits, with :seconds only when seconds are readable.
6:11
